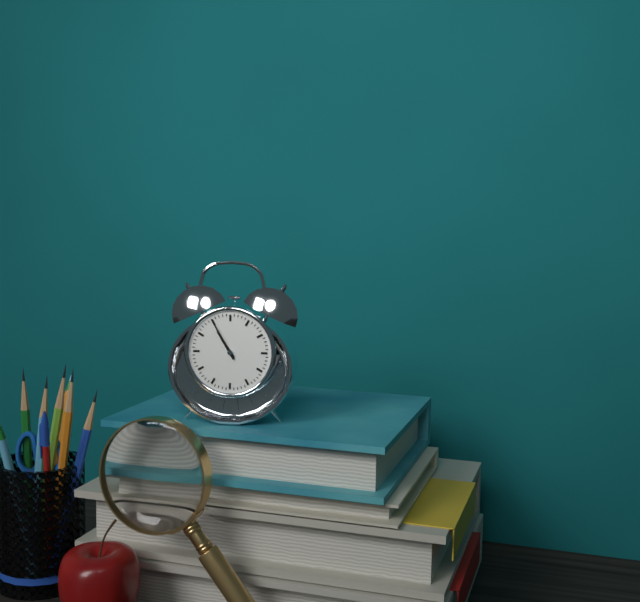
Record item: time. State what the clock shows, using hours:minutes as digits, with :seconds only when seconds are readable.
10:55
